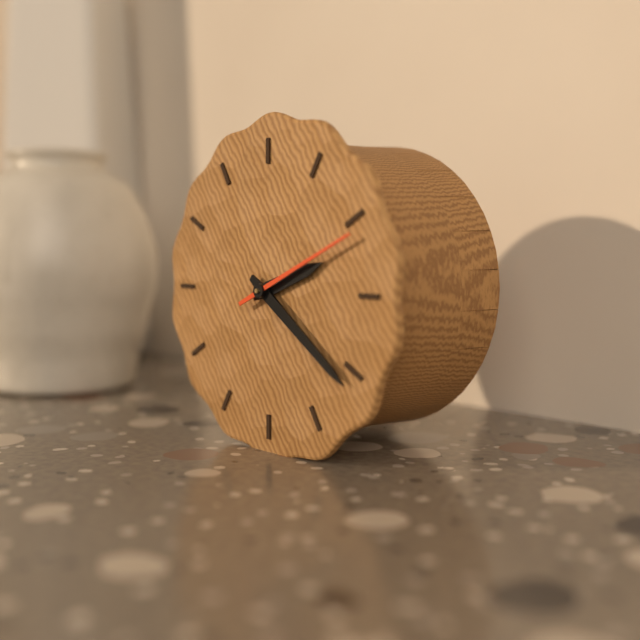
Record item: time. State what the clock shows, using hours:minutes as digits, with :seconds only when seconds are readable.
2:21:11
